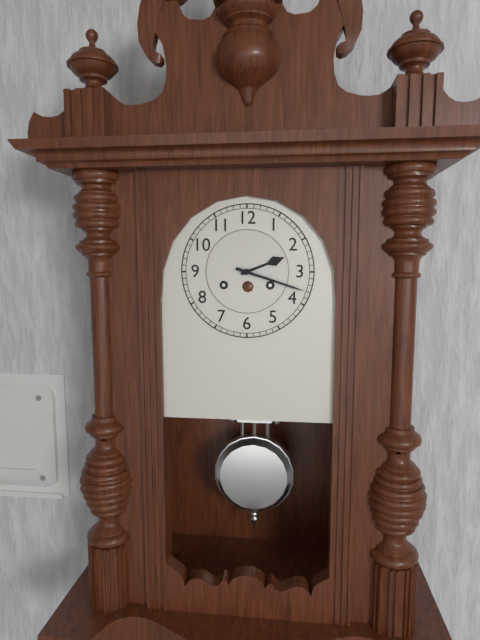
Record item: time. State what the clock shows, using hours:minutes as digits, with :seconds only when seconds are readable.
2:18
